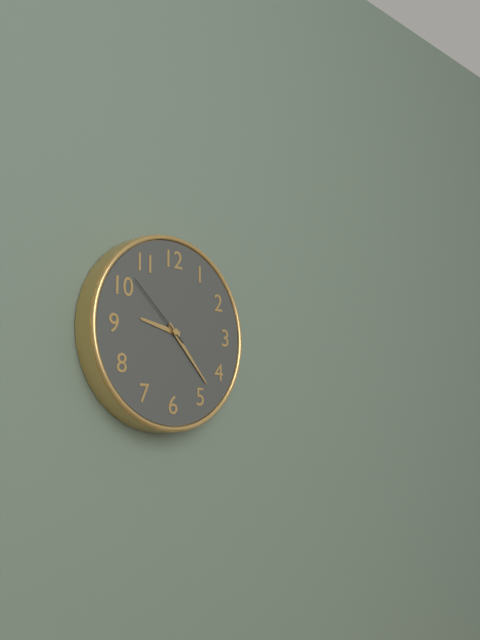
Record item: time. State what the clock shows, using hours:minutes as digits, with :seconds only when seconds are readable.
9:23:52
